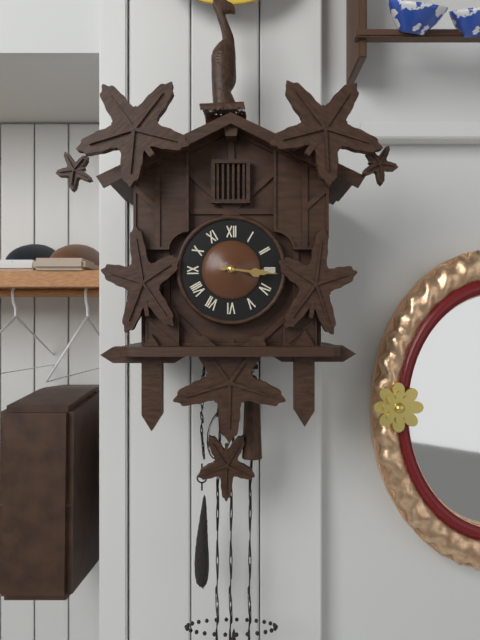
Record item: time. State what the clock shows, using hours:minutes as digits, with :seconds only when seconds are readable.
3:16
